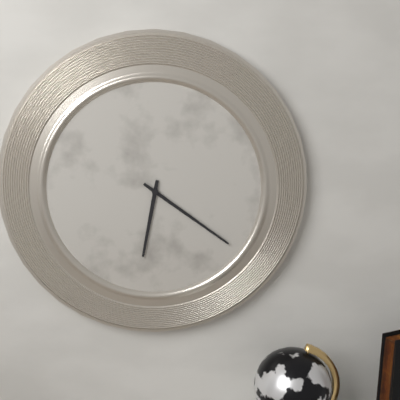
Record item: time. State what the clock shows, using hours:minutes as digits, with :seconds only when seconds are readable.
6:21
